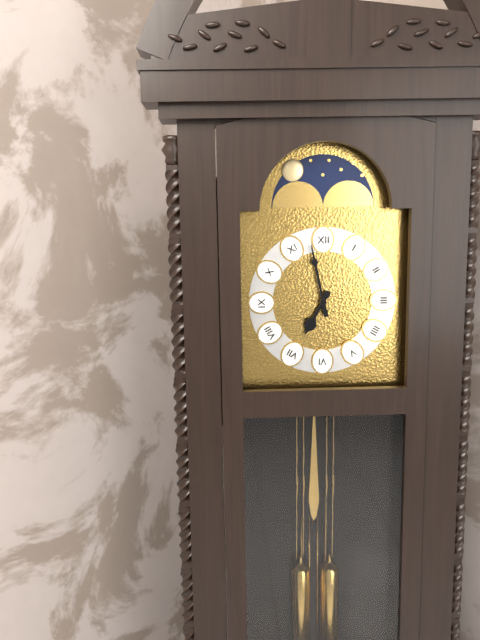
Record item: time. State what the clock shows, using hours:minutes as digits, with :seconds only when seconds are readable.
6:58
